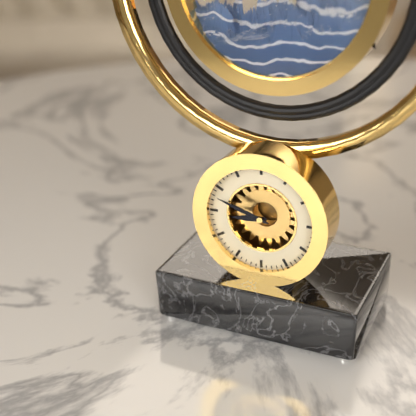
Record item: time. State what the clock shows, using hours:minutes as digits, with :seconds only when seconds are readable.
8:48
